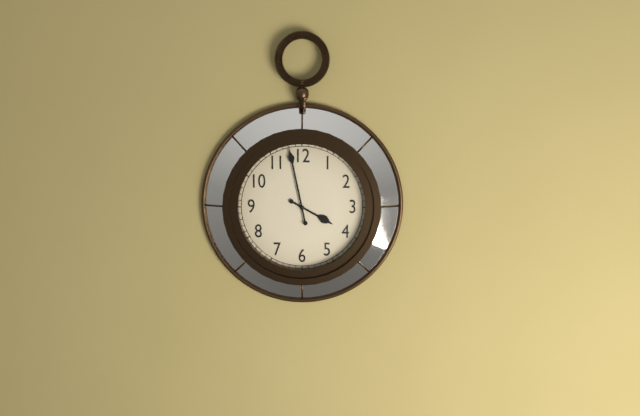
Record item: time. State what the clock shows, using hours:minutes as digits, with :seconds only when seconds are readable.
3:58
